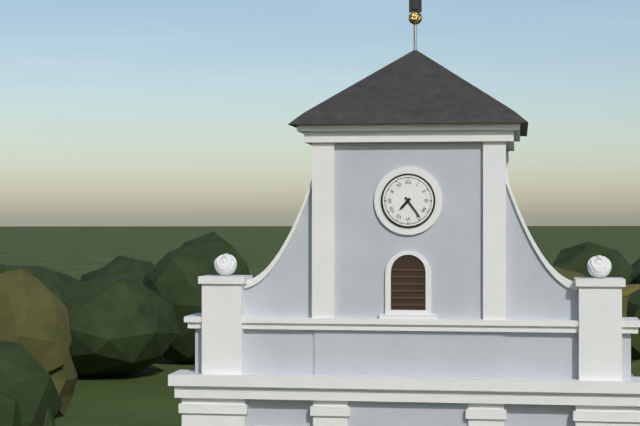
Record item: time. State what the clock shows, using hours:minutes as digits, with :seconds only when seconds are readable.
7:24
